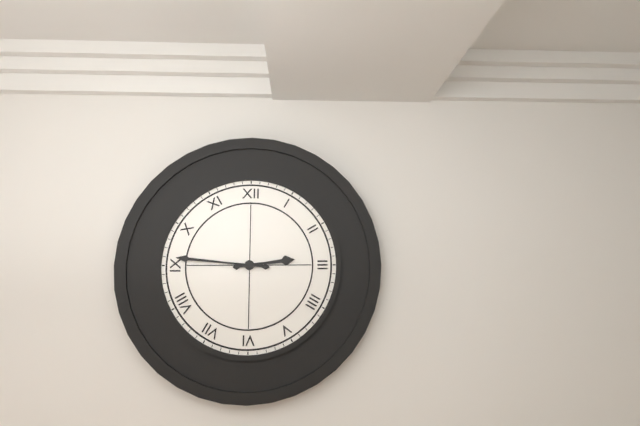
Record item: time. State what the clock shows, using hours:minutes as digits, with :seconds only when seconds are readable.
2:46
